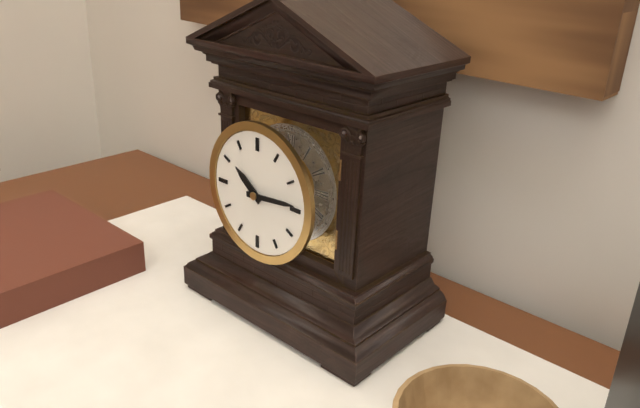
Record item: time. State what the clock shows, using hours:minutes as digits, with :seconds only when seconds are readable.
10:14
